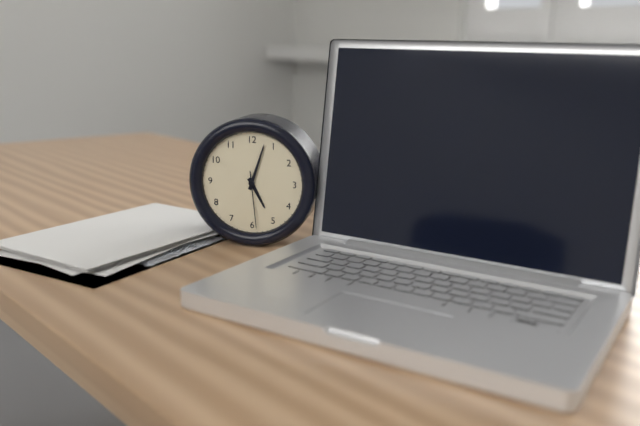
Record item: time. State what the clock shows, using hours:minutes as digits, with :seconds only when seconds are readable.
5:03:29
